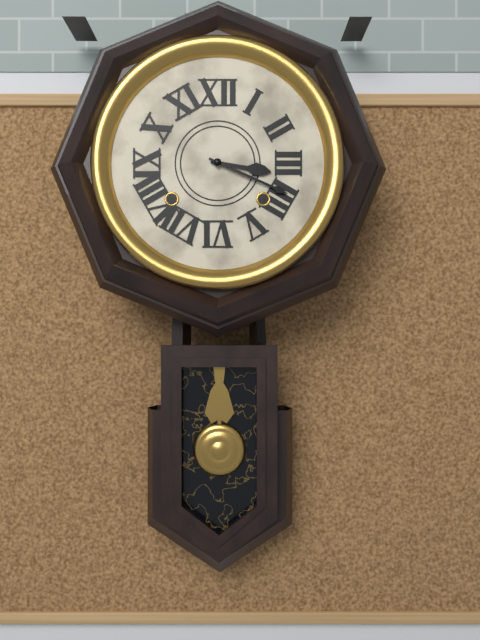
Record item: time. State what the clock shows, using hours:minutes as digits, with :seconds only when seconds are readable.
3:19
